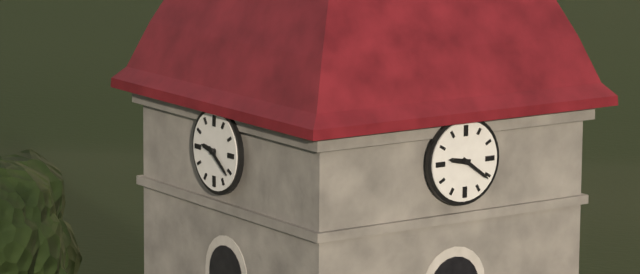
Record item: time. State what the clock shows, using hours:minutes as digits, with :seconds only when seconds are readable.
9:21
